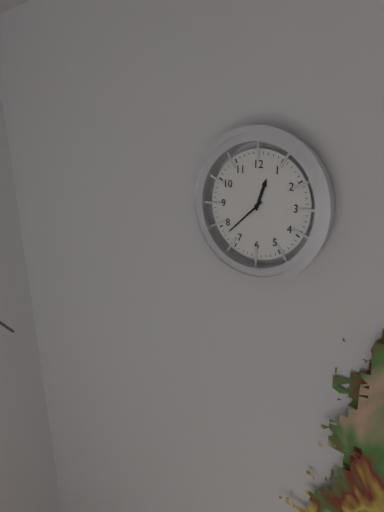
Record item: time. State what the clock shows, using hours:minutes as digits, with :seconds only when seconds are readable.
12:38
